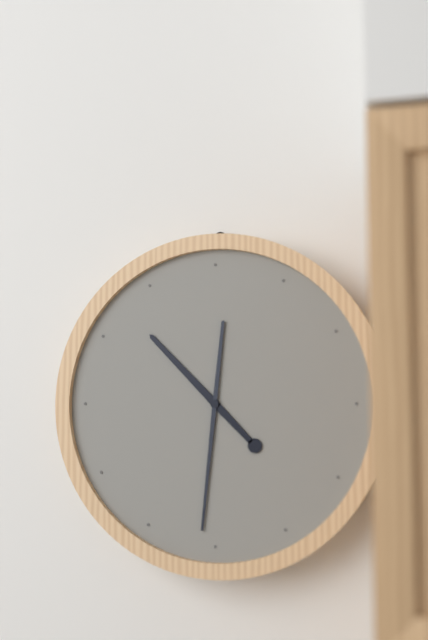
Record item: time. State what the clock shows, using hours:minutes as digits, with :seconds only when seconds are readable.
10:31
